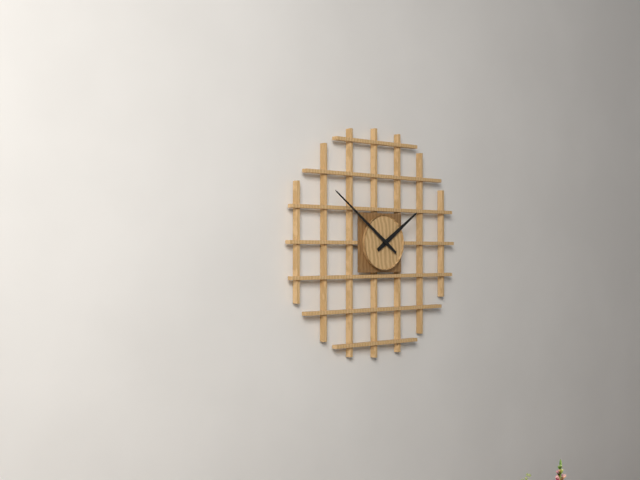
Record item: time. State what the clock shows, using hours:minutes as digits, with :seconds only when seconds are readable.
1:51
